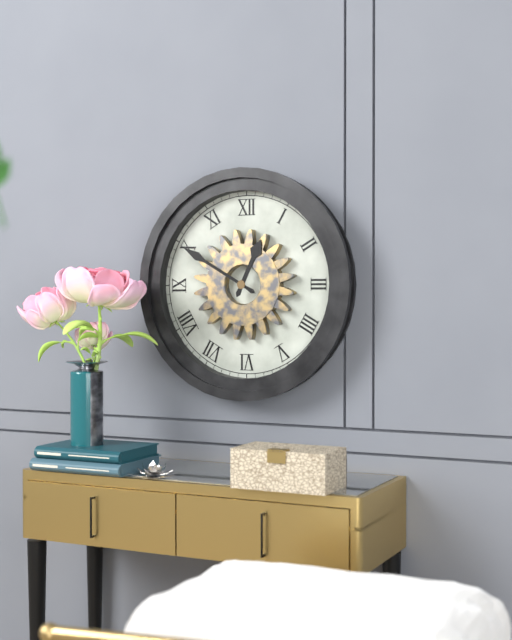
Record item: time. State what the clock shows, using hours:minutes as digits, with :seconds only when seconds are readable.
12:50
